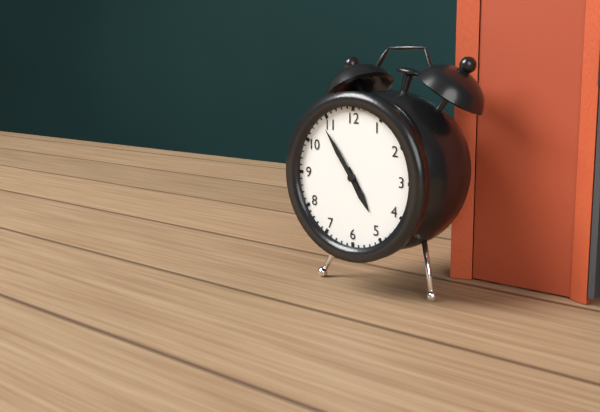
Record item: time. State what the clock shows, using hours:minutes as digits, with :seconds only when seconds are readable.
4:54
